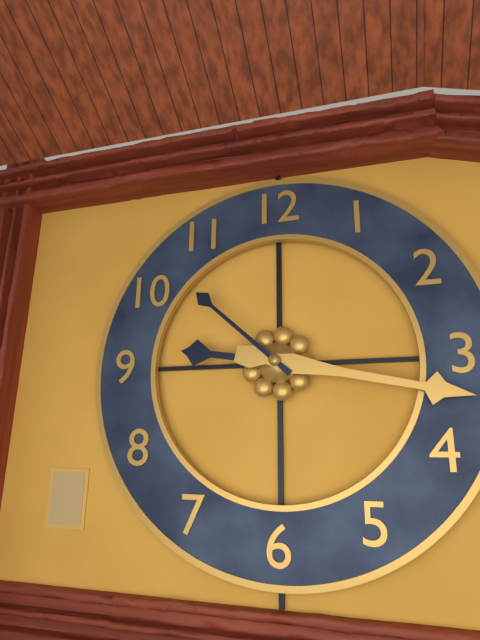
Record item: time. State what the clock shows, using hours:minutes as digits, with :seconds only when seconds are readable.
9:17:52
